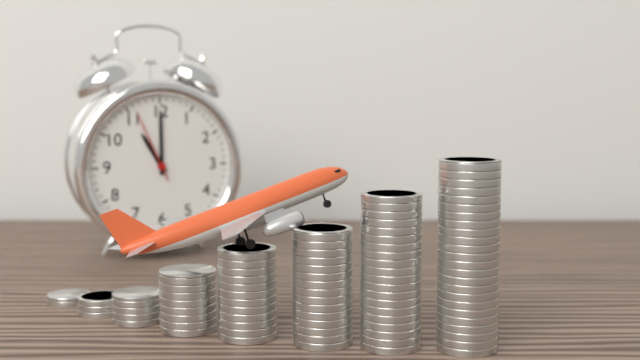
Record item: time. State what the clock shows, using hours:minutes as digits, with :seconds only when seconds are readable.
11:00:56
